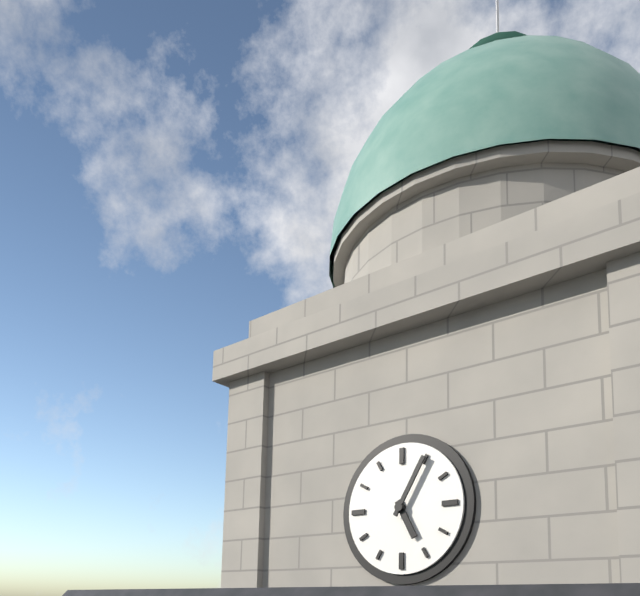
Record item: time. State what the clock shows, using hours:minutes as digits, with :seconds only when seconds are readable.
5:05
